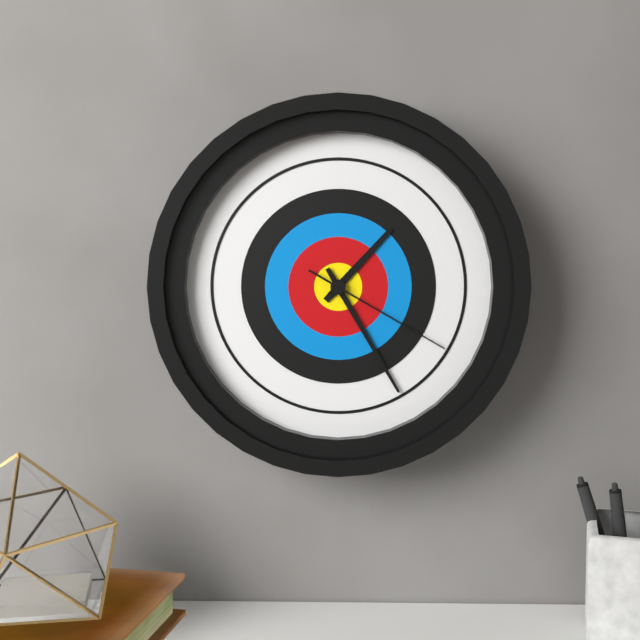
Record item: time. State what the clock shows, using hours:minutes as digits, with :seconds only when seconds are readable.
1:25:20
